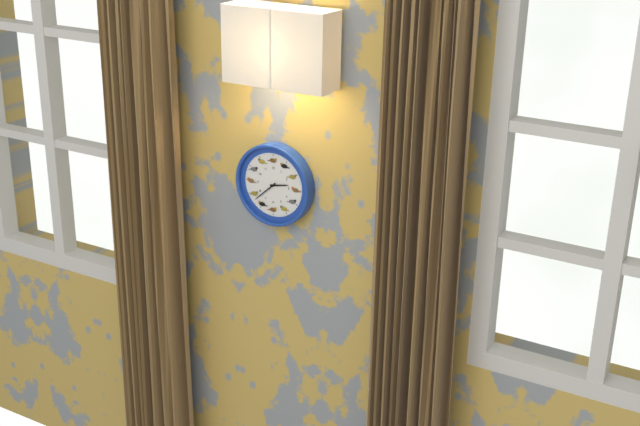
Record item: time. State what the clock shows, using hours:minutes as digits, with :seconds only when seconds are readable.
2:38
